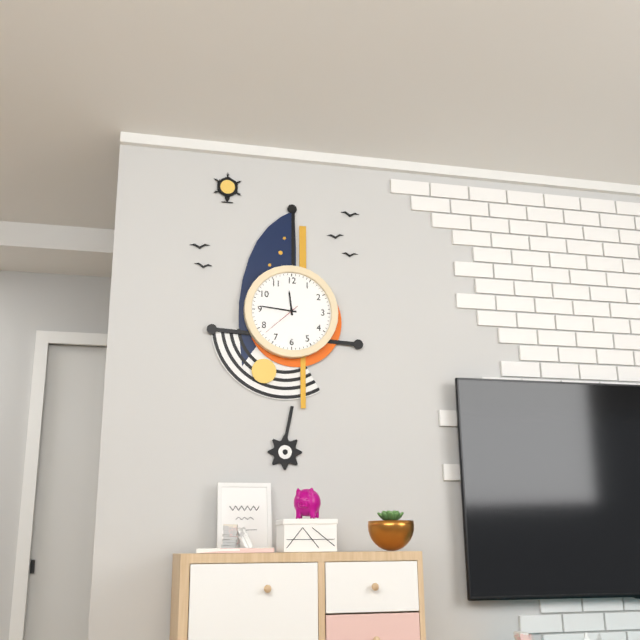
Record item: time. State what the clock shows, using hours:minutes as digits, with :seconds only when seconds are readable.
11:46
